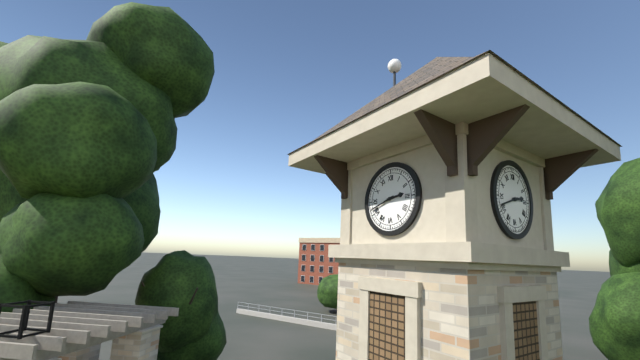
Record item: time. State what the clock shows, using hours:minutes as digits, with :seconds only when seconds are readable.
2:42
